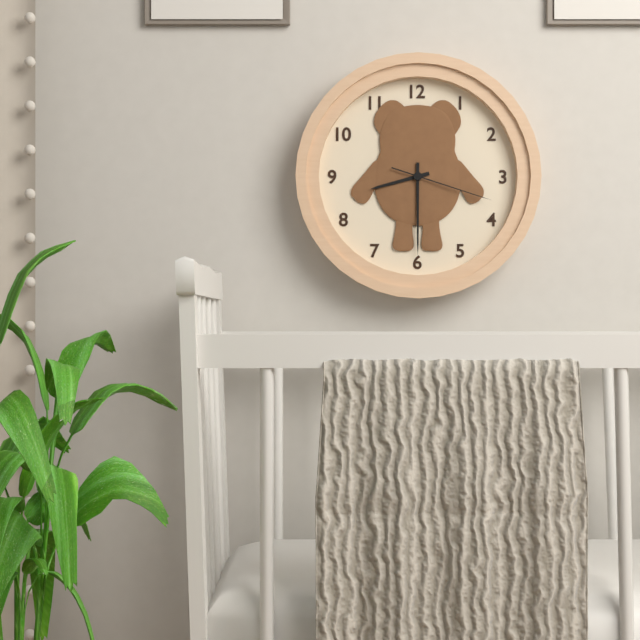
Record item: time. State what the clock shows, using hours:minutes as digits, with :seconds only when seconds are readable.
8:30:18
